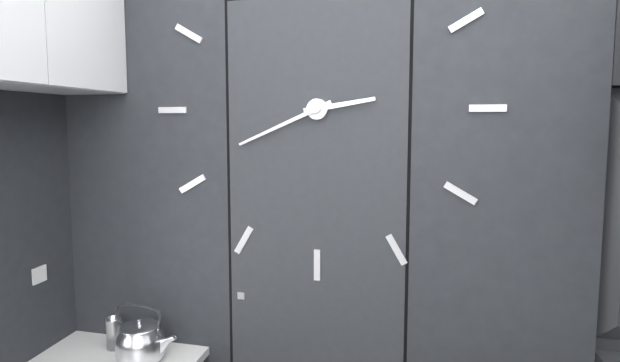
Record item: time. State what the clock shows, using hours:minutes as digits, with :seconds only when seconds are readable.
2:41
